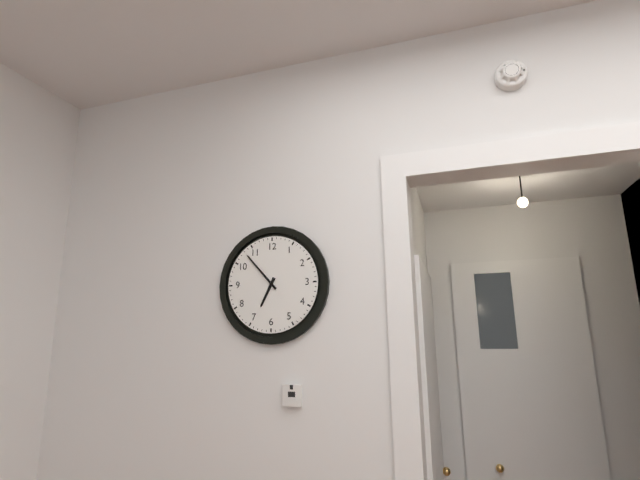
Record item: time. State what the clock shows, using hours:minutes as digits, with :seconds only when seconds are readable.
6:53
